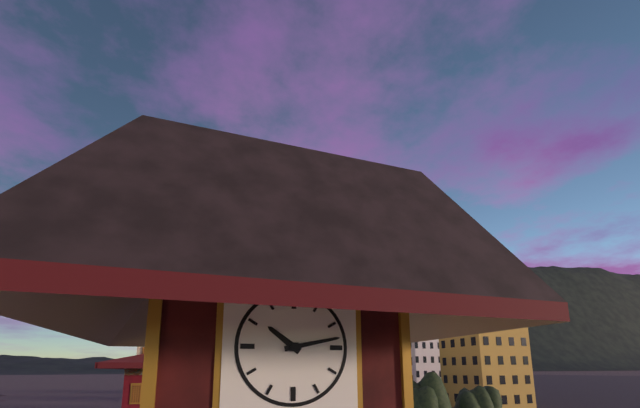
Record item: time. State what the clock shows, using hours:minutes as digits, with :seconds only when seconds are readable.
10:13
